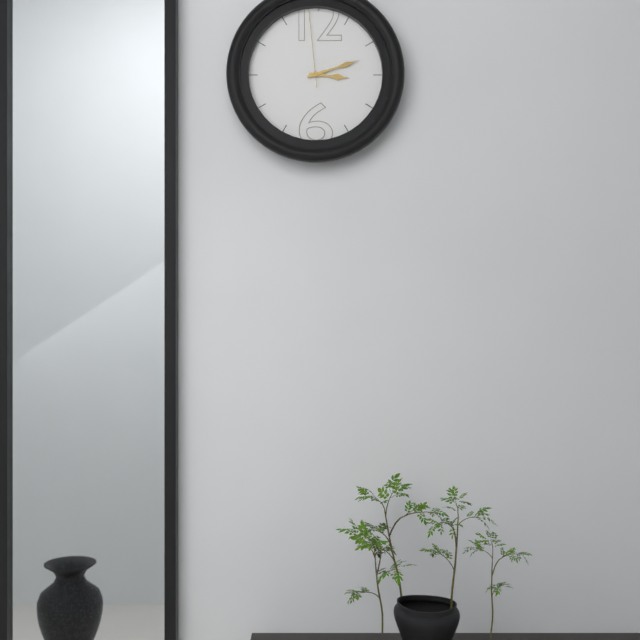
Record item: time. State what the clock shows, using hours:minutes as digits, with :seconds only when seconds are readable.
3:12:59
